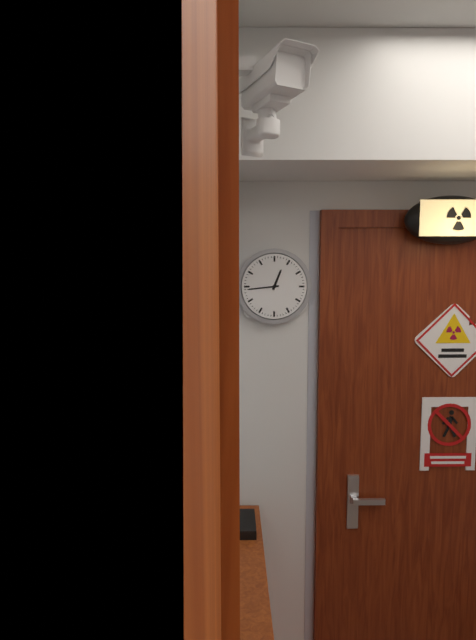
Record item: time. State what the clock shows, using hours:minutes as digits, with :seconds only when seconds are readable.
12:44
